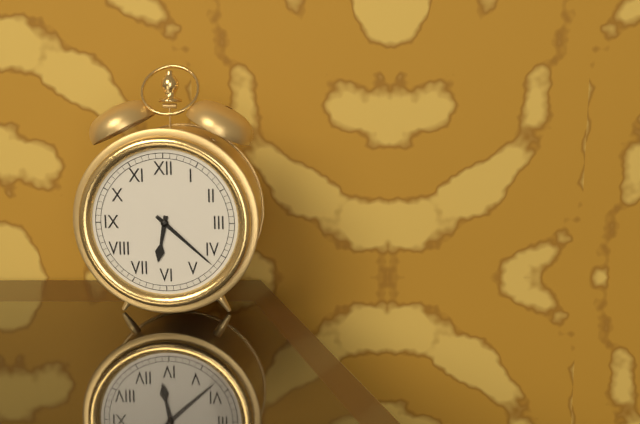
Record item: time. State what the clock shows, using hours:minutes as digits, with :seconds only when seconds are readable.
6:22
